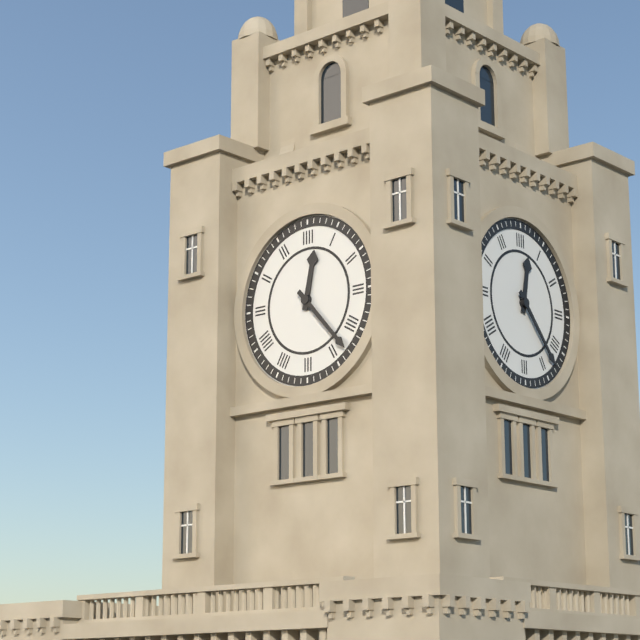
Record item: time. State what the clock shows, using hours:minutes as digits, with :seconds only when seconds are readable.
12:23
